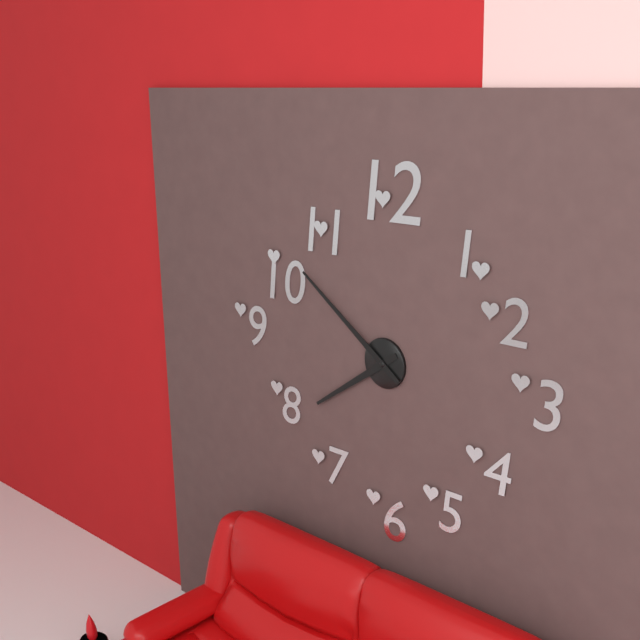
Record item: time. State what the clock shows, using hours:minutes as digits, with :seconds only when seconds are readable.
7:51
